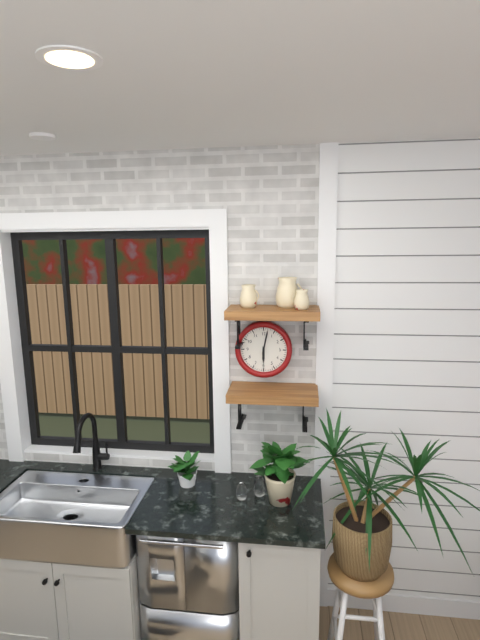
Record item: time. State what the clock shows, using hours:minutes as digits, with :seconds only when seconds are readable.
6:02
